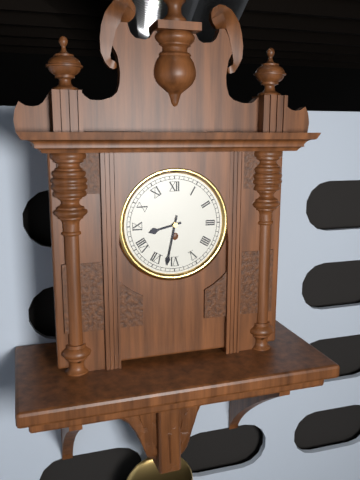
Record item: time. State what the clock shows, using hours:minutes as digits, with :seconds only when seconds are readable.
8:32
